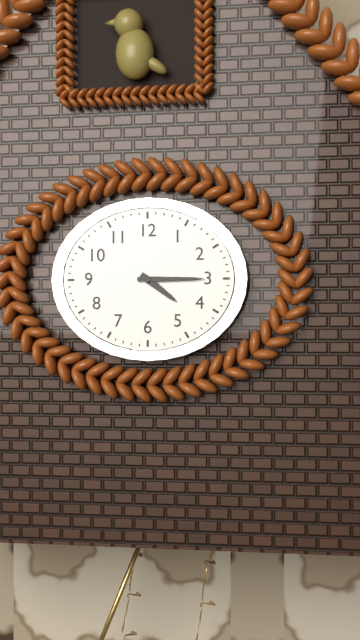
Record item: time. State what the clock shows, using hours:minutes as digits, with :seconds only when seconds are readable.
4:15
